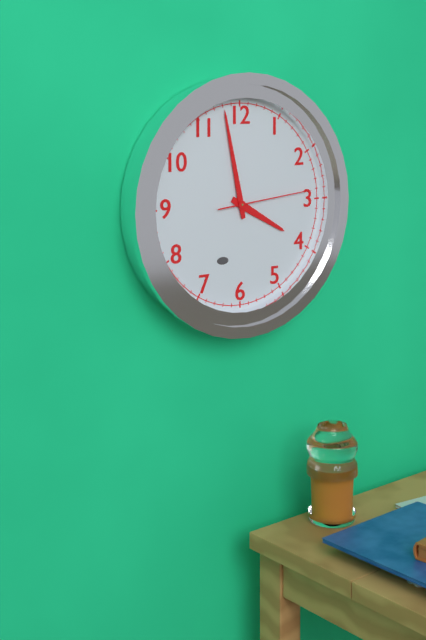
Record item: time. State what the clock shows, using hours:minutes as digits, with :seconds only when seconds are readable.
3:58:14
